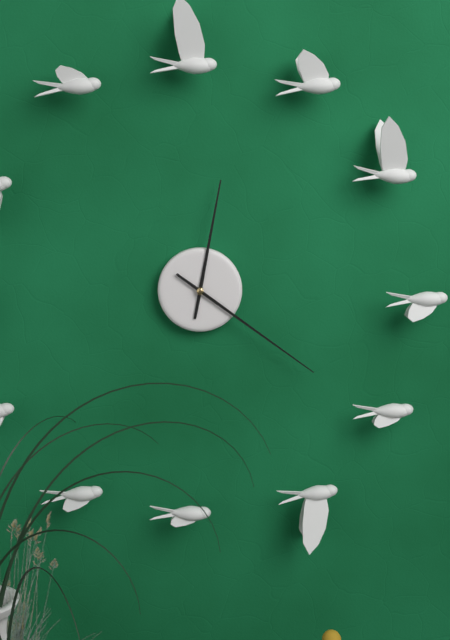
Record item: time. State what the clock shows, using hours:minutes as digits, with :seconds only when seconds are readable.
12:21
